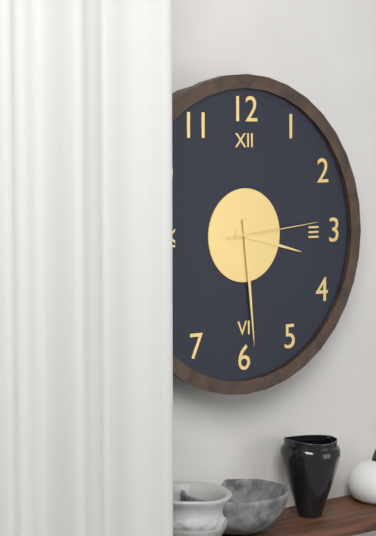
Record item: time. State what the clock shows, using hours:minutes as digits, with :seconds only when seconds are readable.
3:29:14
